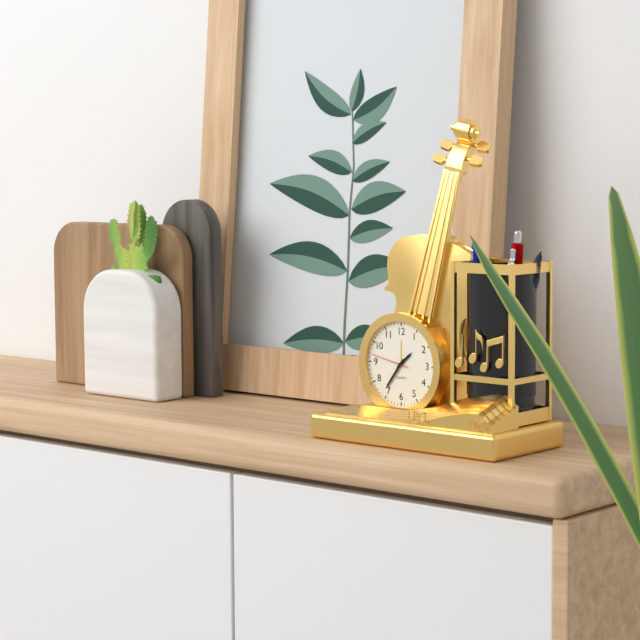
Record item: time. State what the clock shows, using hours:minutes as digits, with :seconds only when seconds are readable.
1:36
